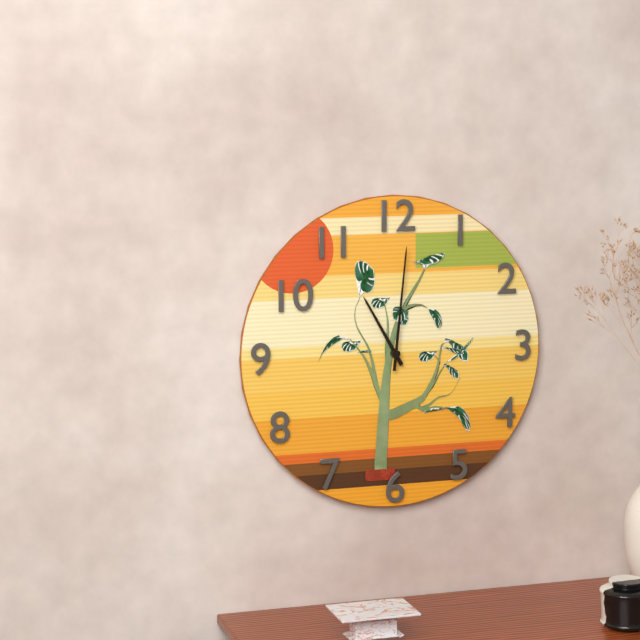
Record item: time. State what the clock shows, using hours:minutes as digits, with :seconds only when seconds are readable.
11:01
